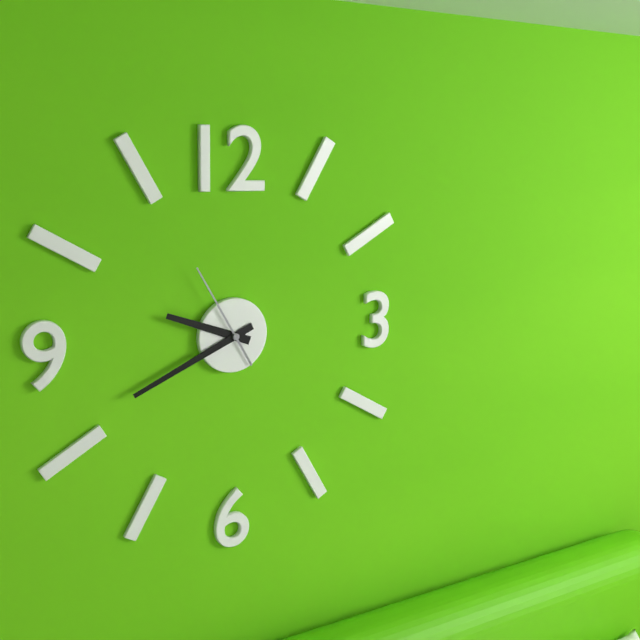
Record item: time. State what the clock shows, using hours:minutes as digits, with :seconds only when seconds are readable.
9:41:55
